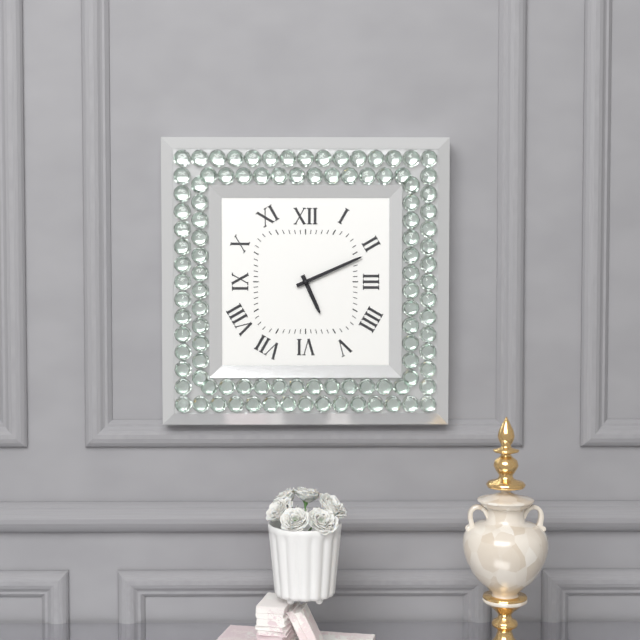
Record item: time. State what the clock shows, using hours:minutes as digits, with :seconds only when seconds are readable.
5:11
